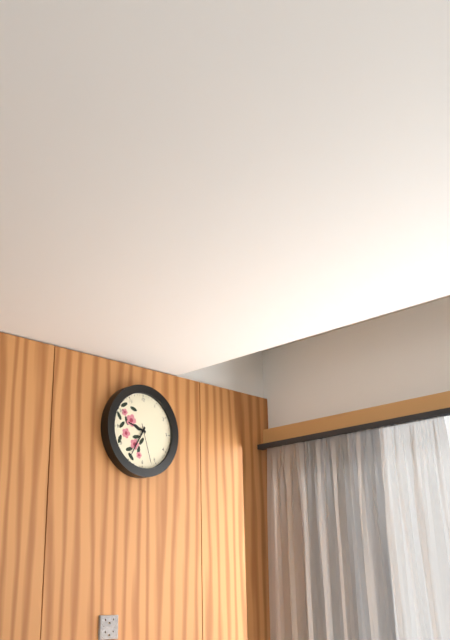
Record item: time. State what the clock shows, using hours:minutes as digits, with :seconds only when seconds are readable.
9:35
